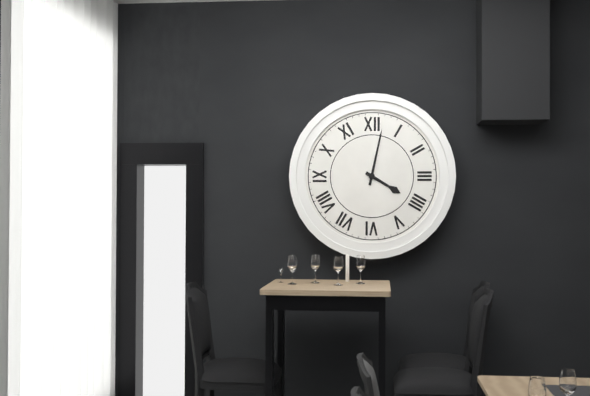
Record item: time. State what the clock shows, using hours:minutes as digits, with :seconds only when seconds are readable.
4:02
